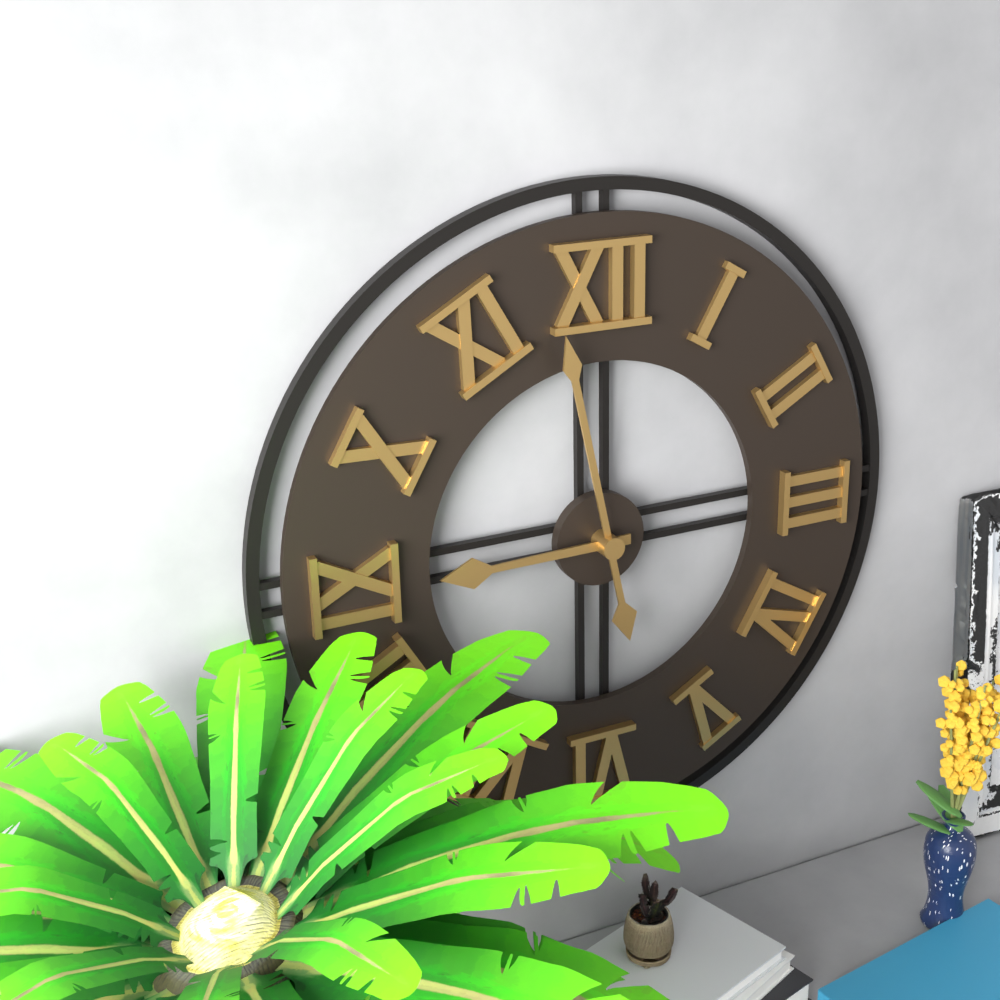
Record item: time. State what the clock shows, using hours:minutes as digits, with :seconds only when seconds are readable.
8:58
